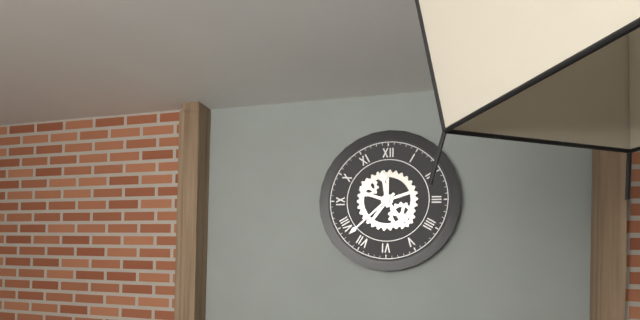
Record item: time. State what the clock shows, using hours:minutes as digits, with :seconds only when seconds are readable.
11:38
